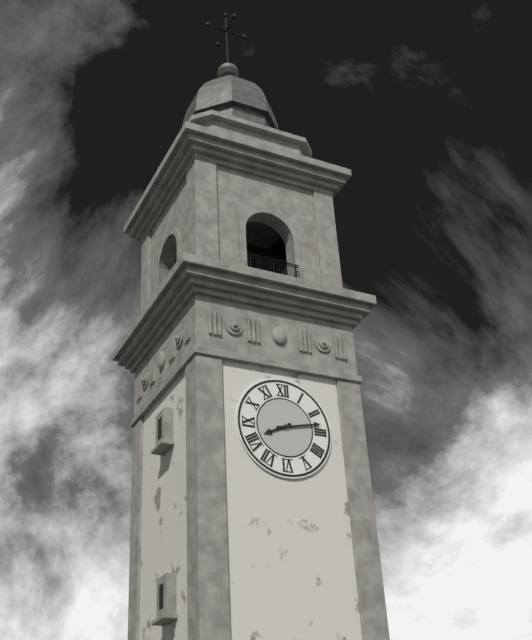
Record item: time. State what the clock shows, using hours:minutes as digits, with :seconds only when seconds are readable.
8:13
